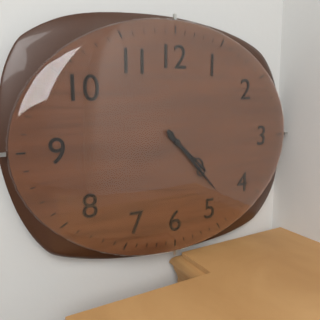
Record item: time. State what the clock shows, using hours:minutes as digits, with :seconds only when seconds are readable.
4:23
